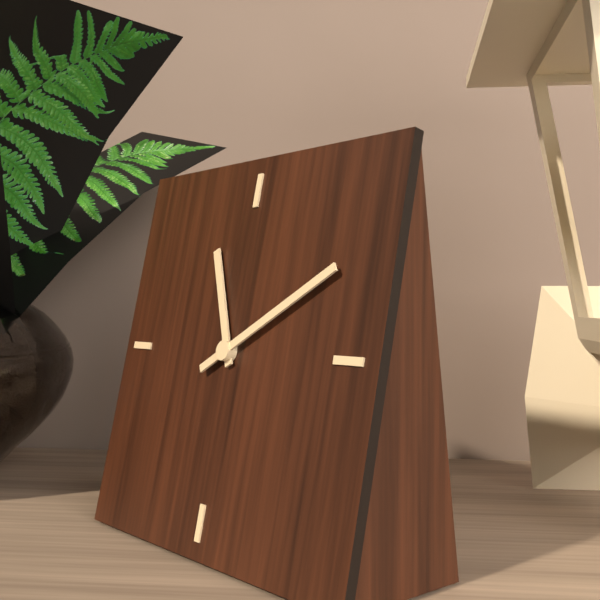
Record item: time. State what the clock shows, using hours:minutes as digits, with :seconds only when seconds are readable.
11:10
